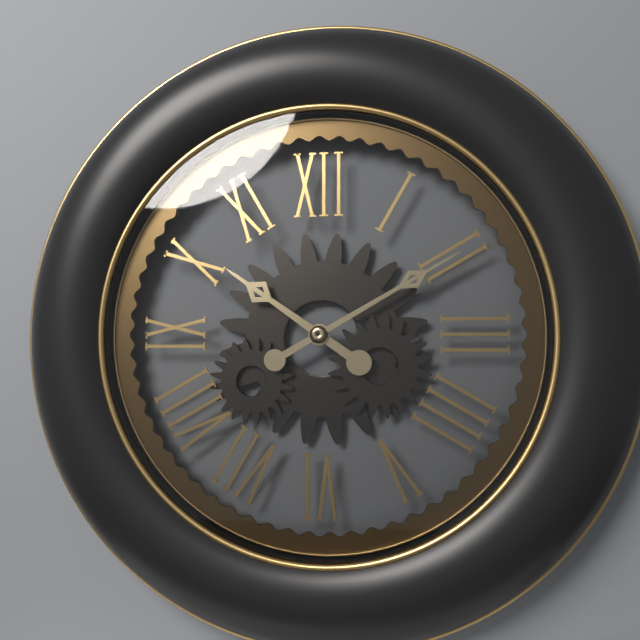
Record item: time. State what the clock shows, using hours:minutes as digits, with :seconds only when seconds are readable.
10:10
